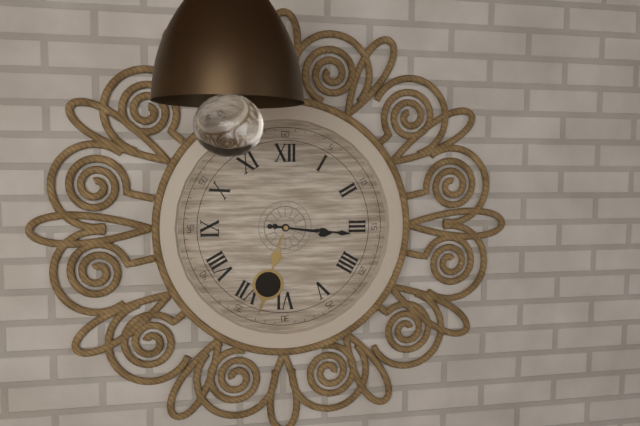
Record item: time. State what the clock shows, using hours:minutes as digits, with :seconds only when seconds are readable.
3:16
